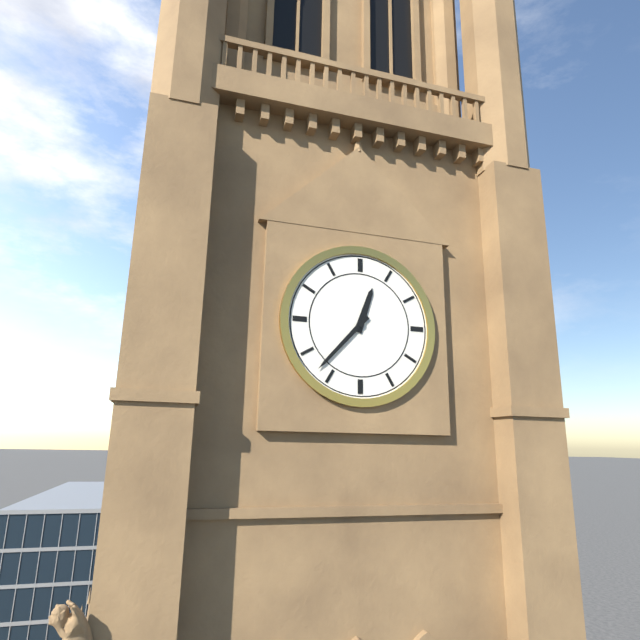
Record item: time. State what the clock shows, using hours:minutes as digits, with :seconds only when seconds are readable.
12:37
